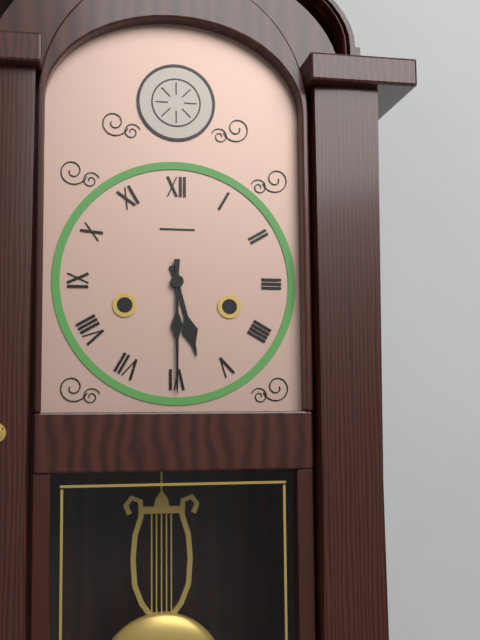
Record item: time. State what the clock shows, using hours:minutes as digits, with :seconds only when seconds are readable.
5:30
